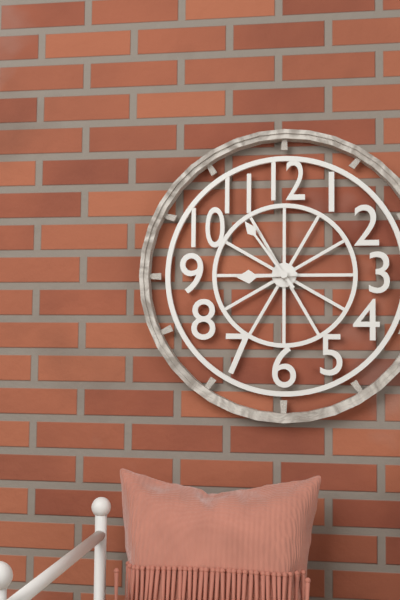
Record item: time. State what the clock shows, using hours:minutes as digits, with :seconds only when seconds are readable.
8:54
